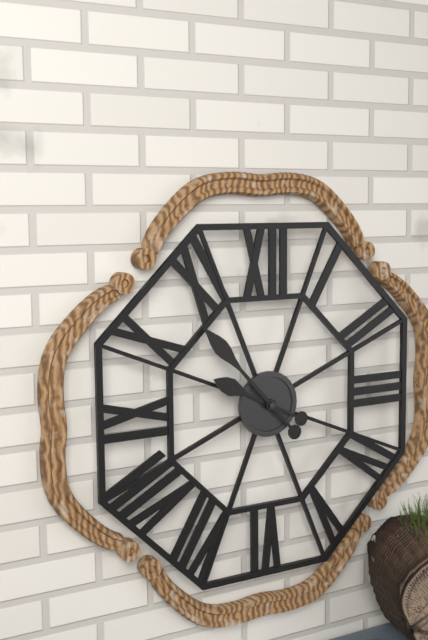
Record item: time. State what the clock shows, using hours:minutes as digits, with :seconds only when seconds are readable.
9:53
